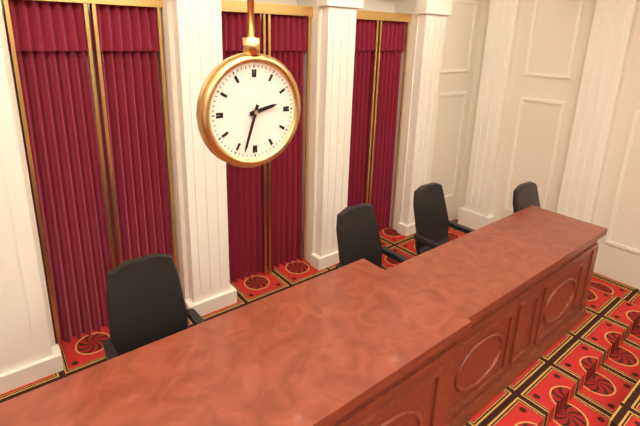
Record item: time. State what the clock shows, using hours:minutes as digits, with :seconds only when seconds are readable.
2:33
